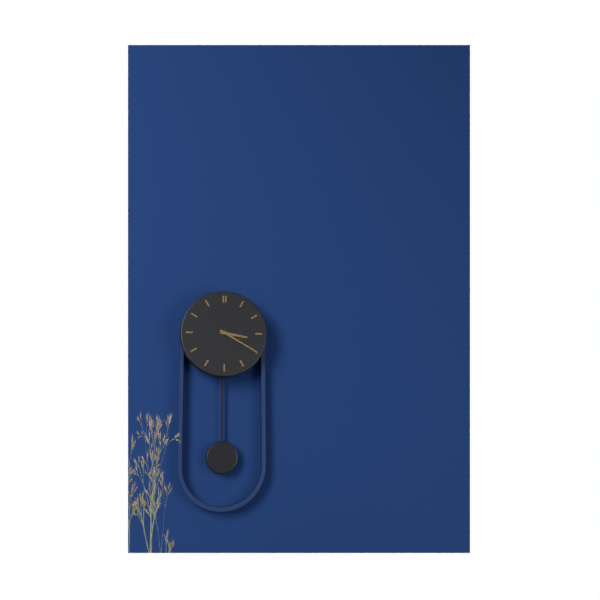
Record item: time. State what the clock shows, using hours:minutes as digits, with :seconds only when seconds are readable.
3:20
